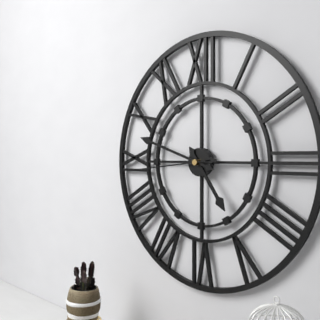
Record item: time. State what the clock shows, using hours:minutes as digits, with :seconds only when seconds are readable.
4:48:44
